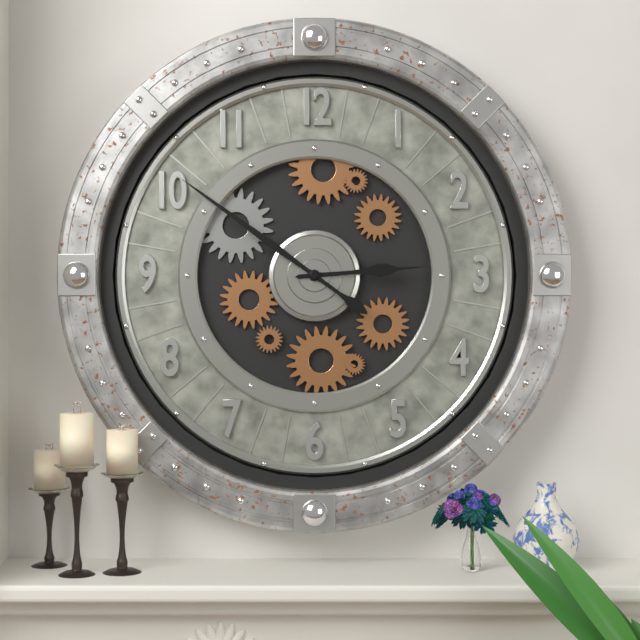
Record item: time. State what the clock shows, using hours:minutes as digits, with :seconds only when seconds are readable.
2:51
